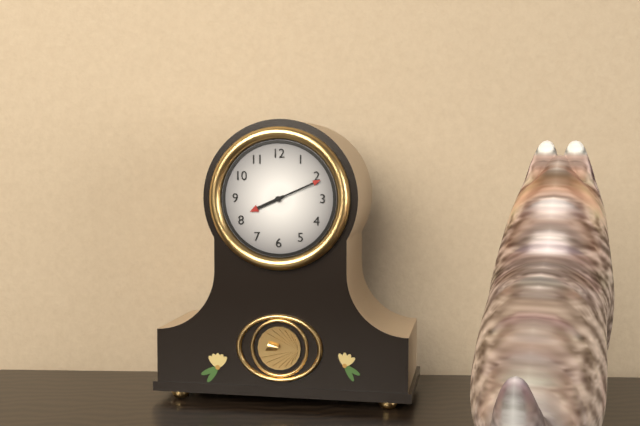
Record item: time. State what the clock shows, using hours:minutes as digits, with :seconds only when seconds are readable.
8:11
